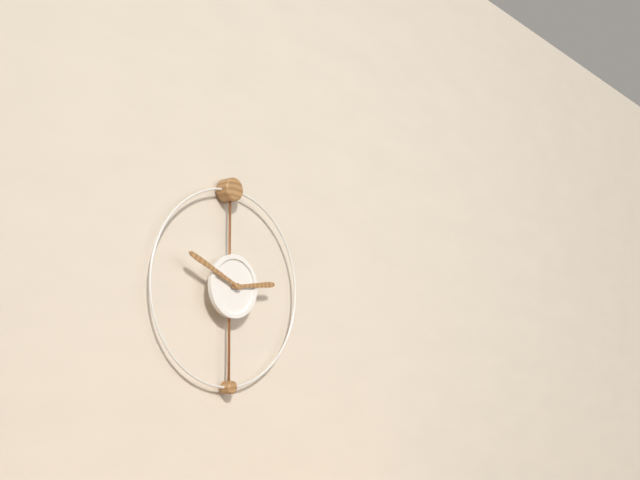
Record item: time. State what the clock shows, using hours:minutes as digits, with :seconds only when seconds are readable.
2:49
